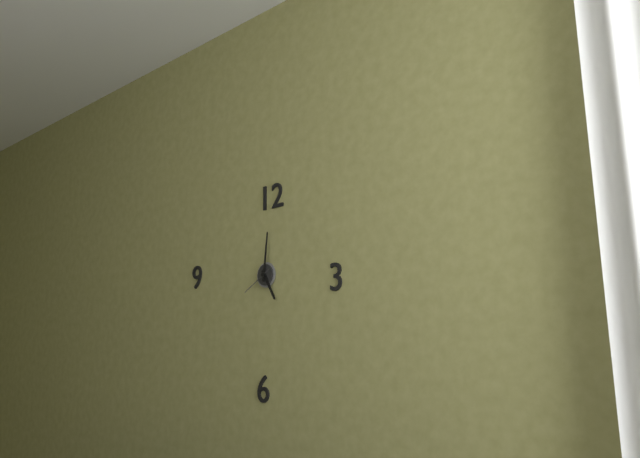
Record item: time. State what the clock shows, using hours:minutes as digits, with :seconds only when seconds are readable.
5:01
